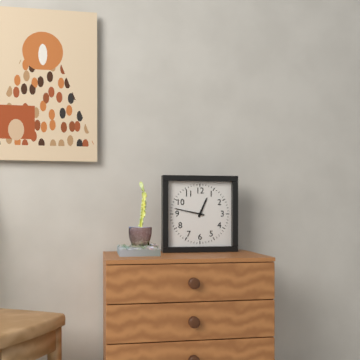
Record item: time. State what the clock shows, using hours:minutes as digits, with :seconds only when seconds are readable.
12:47
